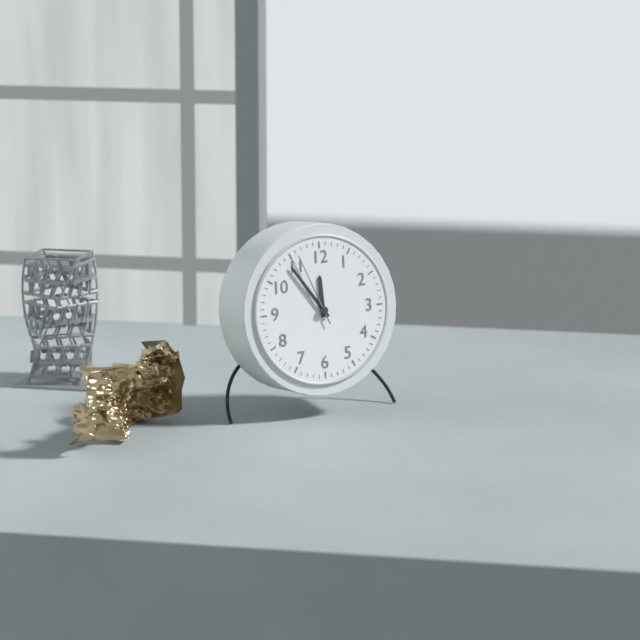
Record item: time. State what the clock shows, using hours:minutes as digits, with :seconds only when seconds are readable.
11:54:56
